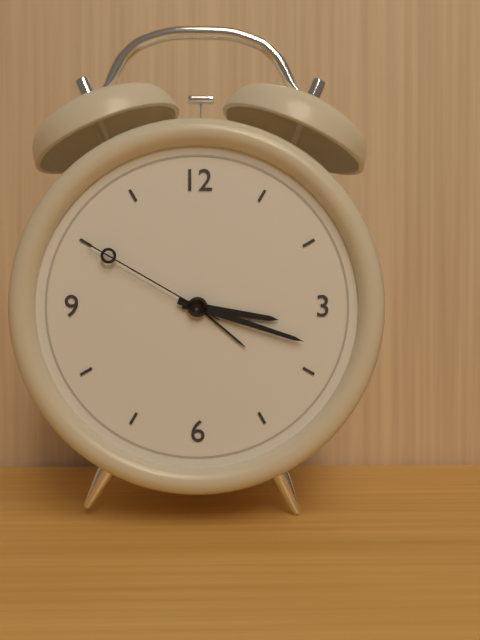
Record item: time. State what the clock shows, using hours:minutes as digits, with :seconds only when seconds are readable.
3:18:50
